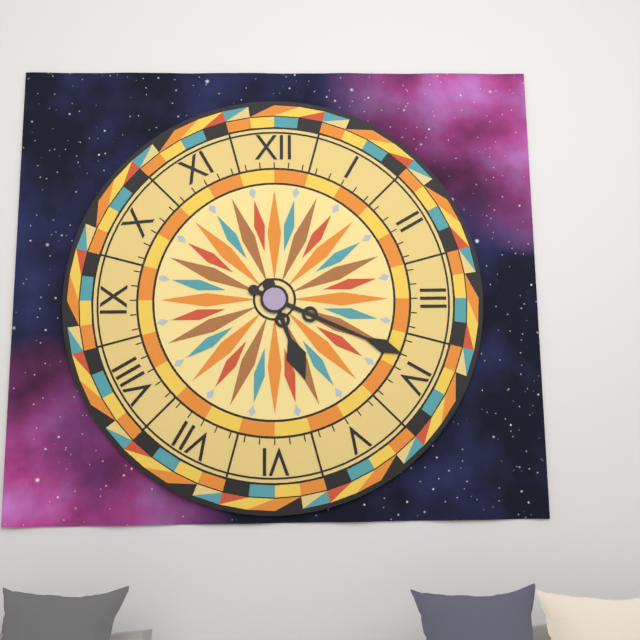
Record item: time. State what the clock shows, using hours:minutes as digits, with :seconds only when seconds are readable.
5:19
